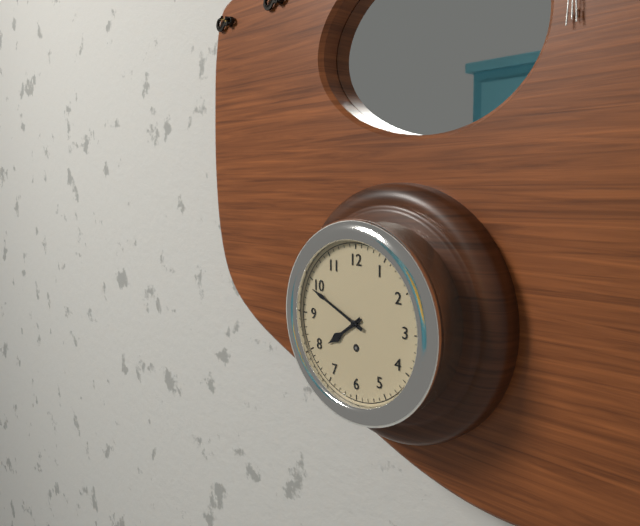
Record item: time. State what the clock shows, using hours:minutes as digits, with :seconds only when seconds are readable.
7:49
